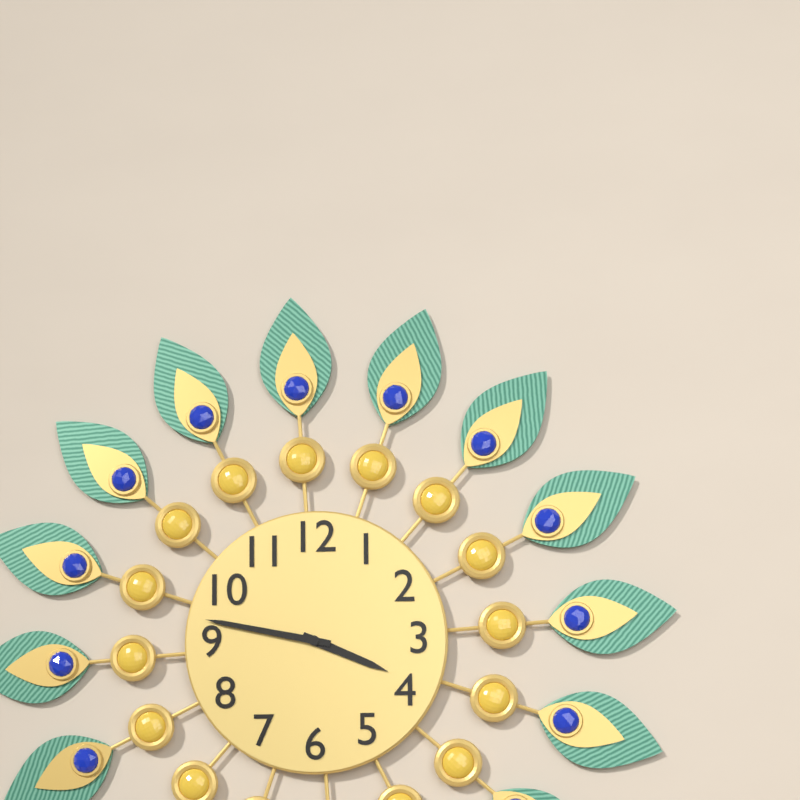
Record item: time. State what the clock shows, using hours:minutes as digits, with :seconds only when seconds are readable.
3:47
